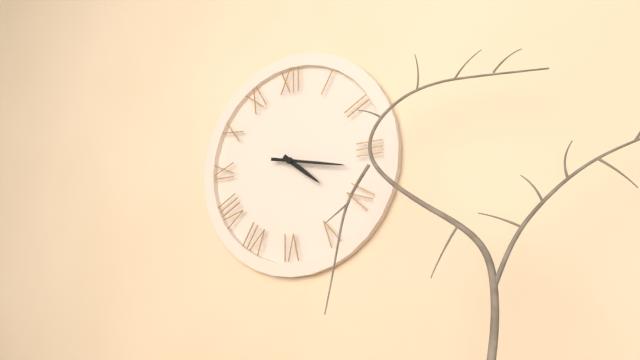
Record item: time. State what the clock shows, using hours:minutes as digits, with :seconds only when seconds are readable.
4:17
